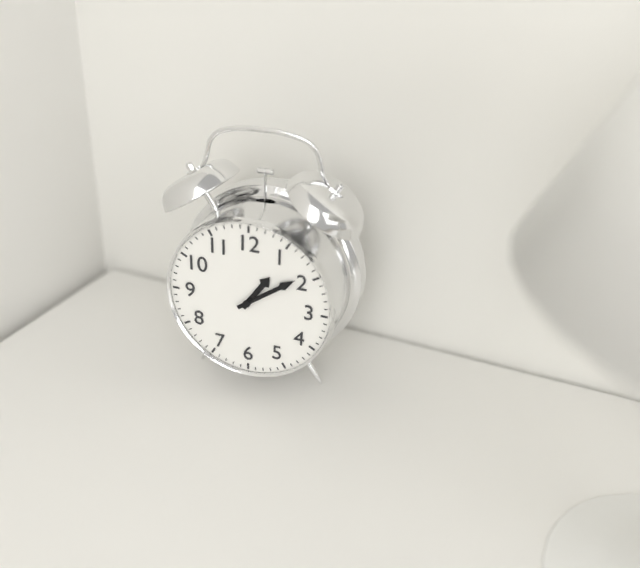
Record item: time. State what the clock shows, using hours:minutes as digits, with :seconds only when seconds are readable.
1:09
